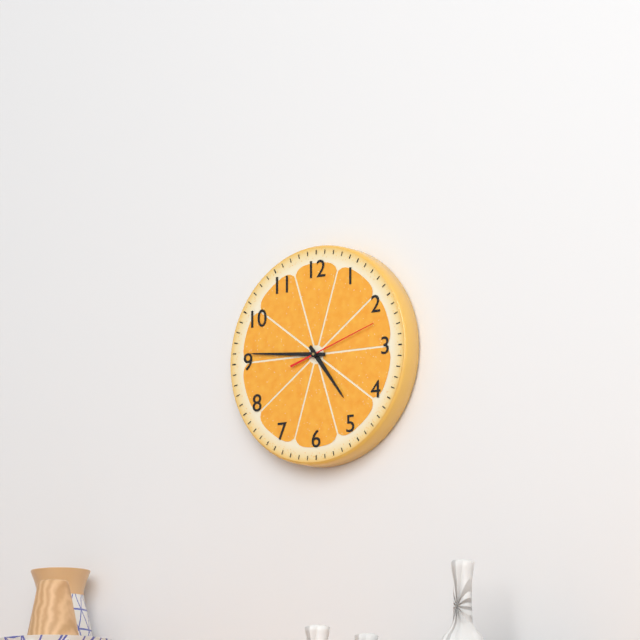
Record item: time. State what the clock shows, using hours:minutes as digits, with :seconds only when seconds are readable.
4:46:12
